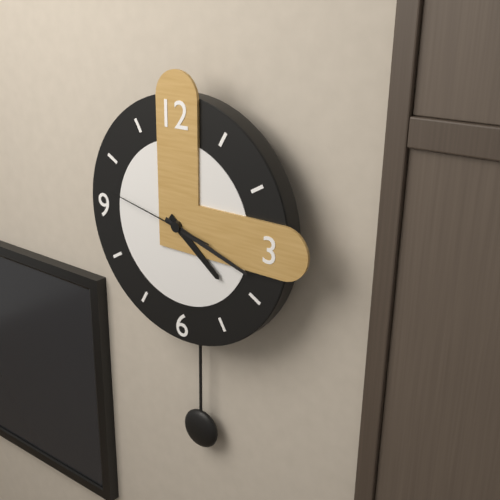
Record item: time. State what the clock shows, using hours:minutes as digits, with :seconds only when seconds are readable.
4:18:47
